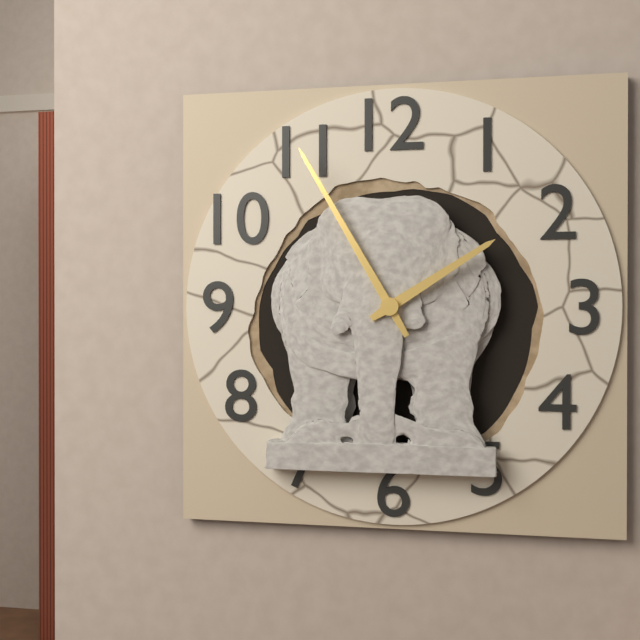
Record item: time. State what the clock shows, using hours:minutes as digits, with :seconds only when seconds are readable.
1:55
